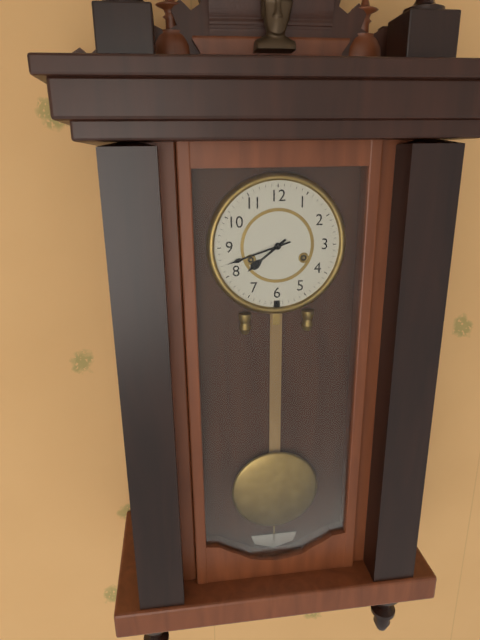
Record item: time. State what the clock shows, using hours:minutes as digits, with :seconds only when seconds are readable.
7:42
